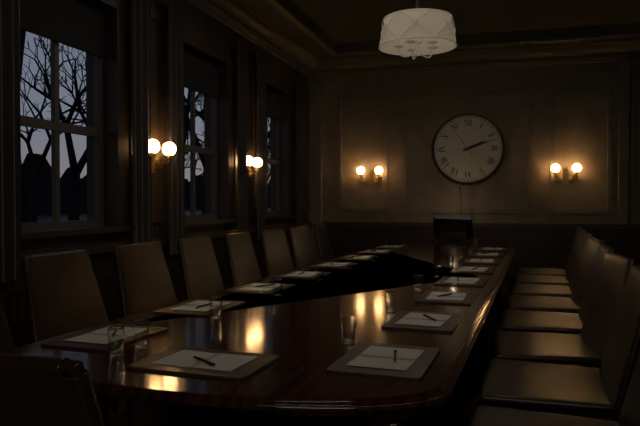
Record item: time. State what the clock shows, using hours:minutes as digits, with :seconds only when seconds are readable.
2:12
